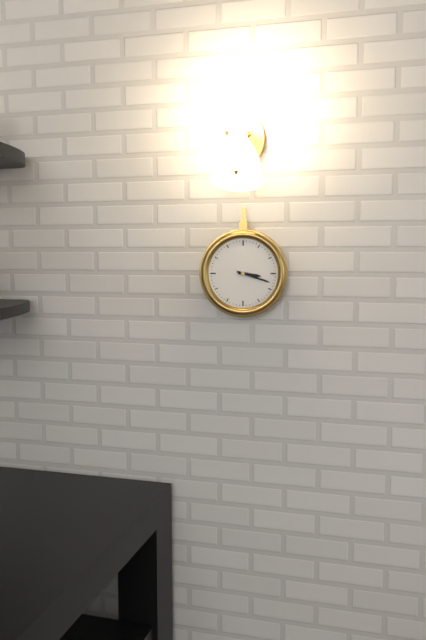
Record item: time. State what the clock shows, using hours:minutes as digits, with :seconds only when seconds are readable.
3:18
